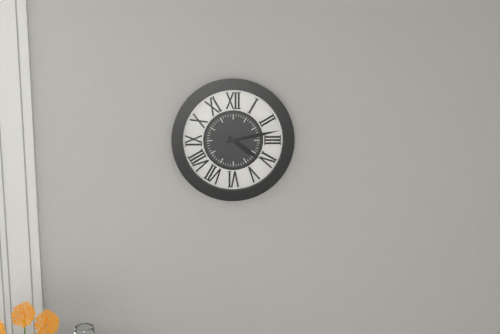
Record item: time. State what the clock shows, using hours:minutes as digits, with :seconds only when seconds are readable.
4:13
